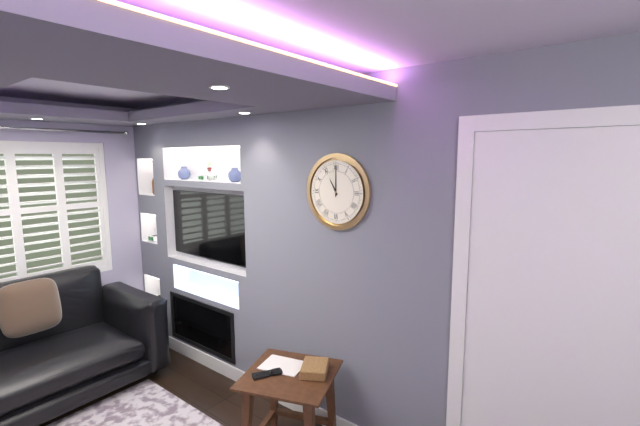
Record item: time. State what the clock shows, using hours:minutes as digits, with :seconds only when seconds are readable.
11:00
